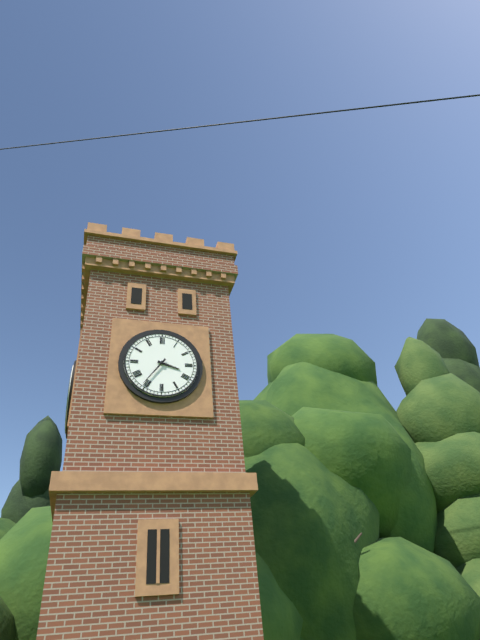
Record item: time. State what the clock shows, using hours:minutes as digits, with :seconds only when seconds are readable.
3:36
